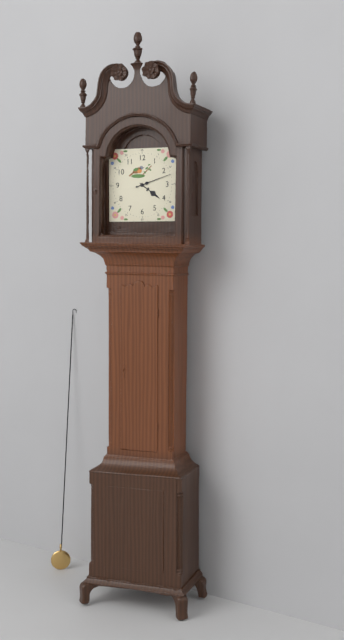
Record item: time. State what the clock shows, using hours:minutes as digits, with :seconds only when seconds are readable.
4:12
